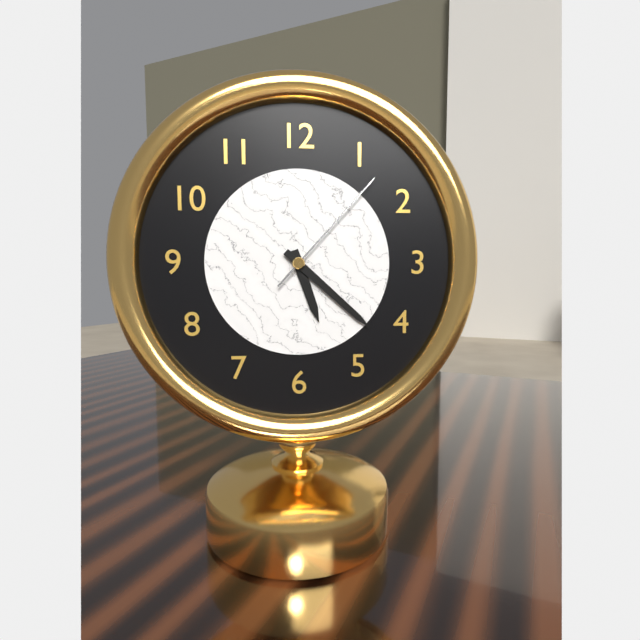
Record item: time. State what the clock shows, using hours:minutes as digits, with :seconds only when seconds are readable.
5:22:07
